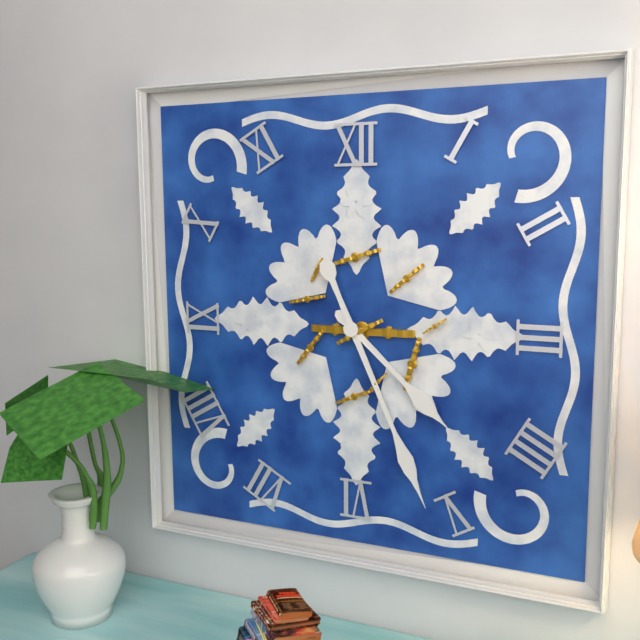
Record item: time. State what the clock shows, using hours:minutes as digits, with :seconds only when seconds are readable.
4:26
